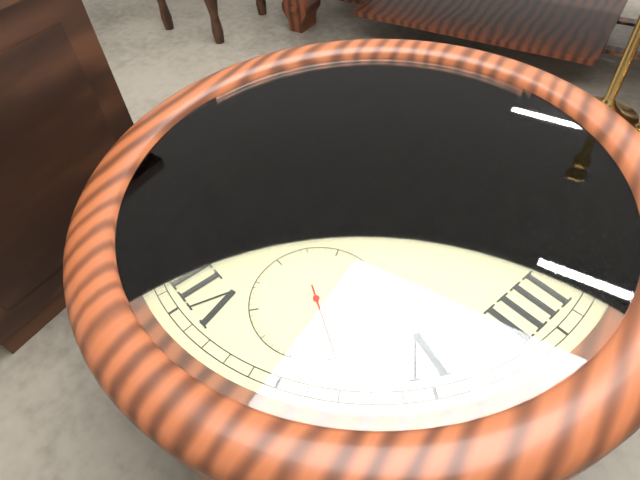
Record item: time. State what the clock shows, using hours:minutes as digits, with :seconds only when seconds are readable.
9:05:24
